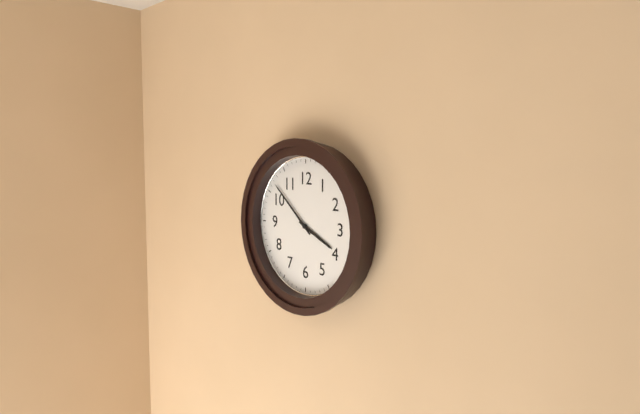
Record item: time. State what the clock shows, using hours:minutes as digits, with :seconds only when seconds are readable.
3:52
